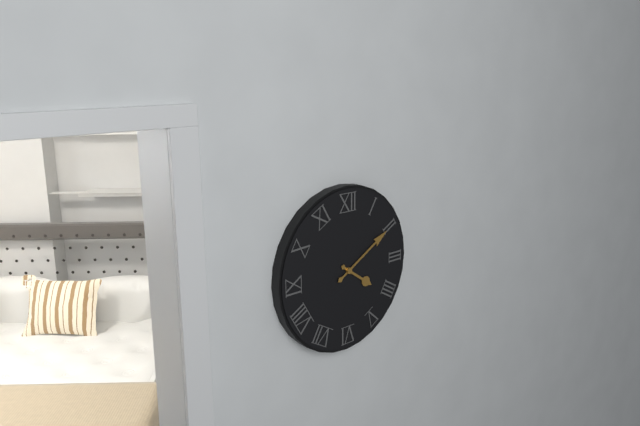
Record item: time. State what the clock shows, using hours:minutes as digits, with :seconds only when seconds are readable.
4:10
